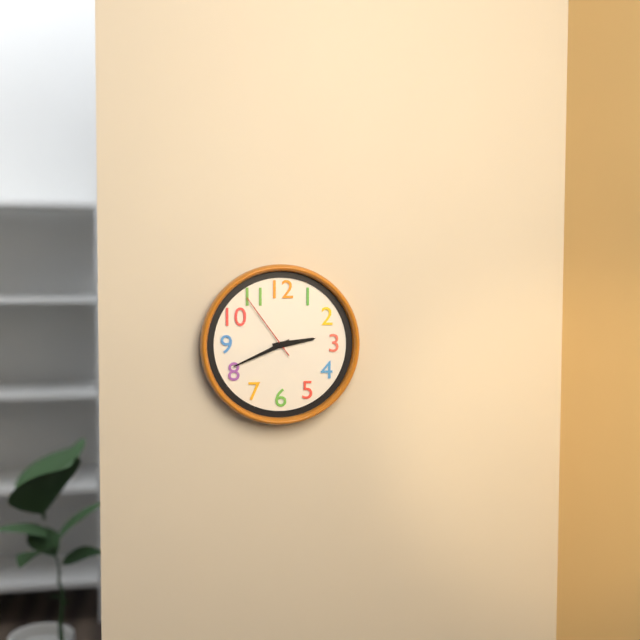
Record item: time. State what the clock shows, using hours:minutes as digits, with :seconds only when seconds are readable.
2:41:54
